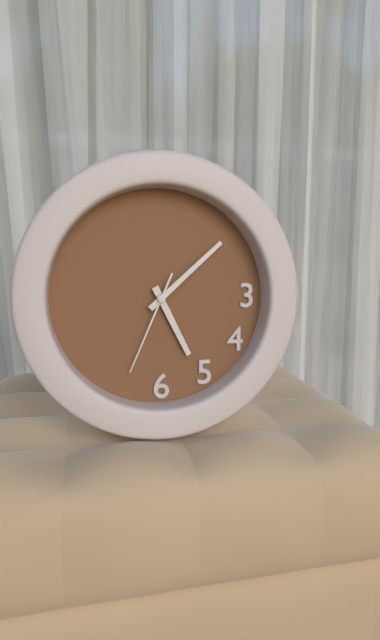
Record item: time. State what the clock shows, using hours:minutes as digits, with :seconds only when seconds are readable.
5:08:34
